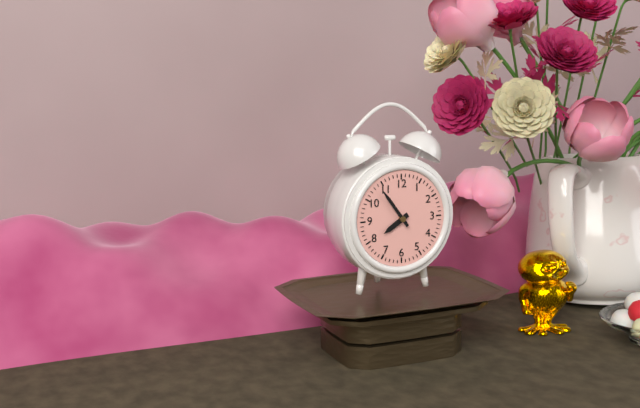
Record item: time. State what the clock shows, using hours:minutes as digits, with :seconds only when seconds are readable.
7:54
